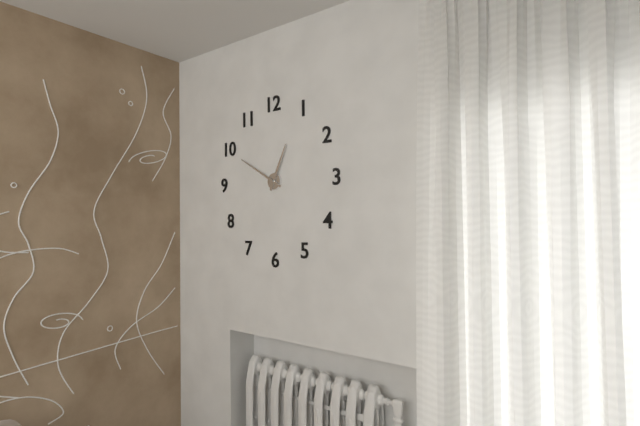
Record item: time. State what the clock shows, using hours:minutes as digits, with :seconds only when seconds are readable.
12:50
